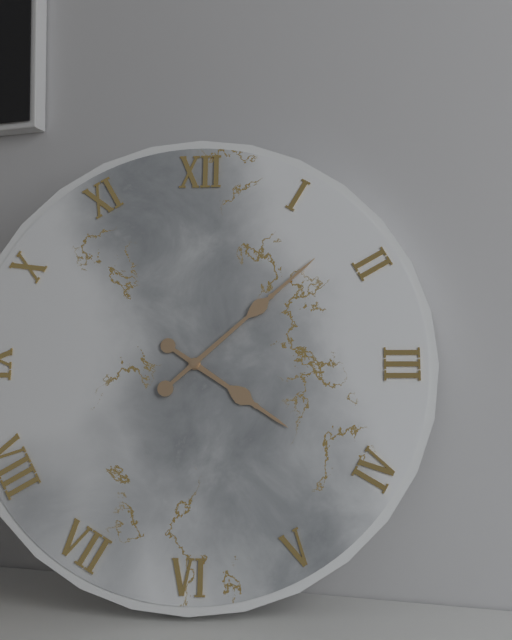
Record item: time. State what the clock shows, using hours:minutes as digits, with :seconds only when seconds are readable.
4:08
